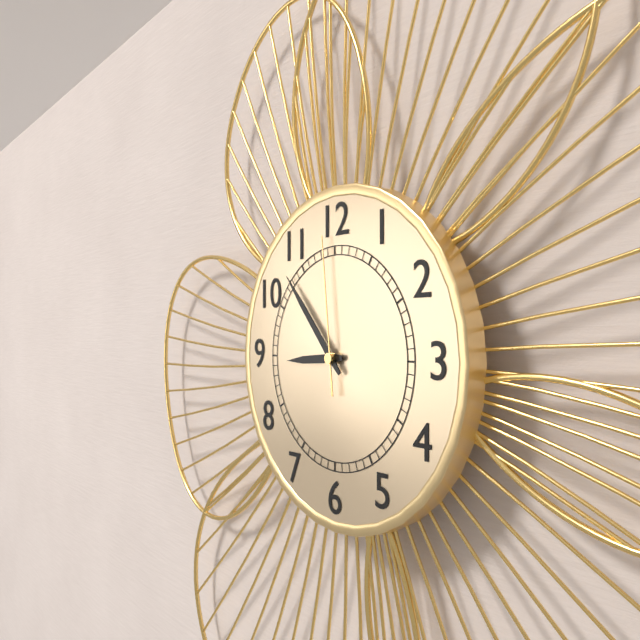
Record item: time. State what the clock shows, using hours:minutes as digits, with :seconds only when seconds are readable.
8:53:59
